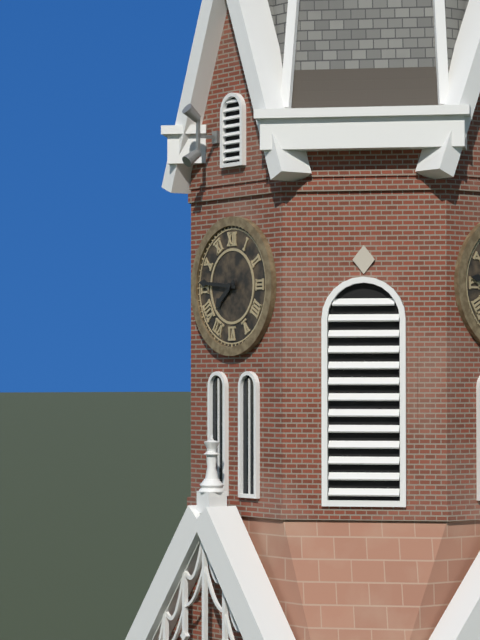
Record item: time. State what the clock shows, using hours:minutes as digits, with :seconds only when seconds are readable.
7:46
